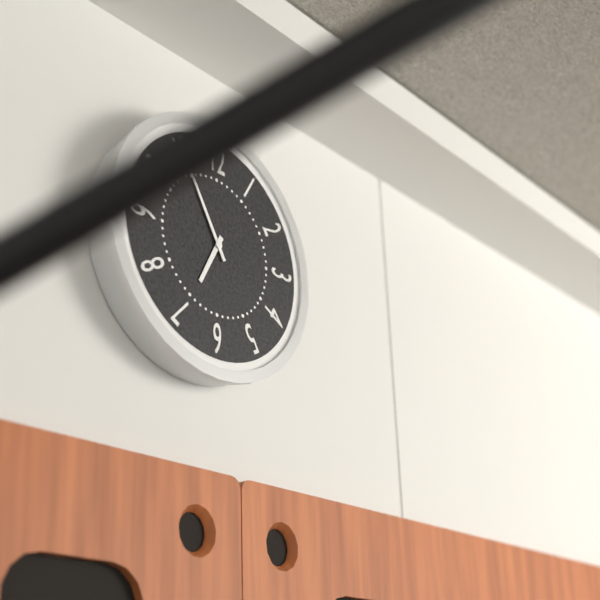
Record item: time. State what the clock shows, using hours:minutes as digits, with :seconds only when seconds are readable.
6:55
